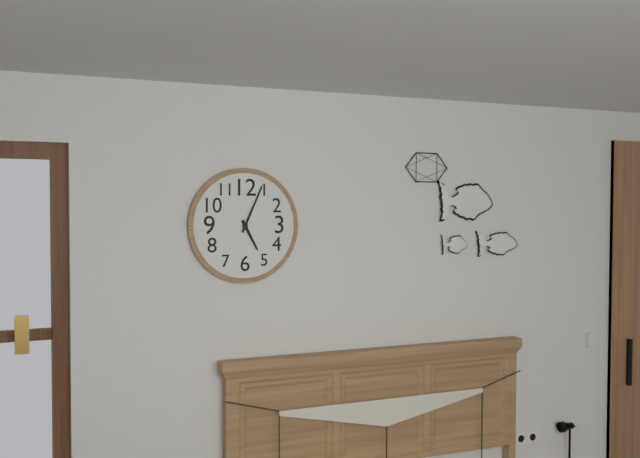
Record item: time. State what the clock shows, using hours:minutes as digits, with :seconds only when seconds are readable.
5:04
